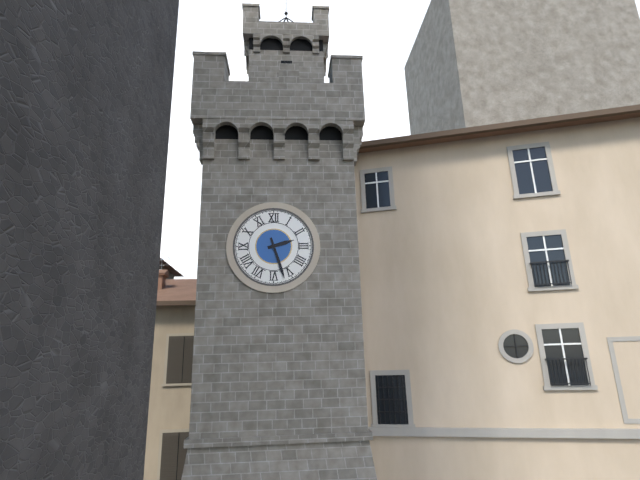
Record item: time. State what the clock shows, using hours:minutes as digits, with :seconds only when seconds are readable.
2:27
